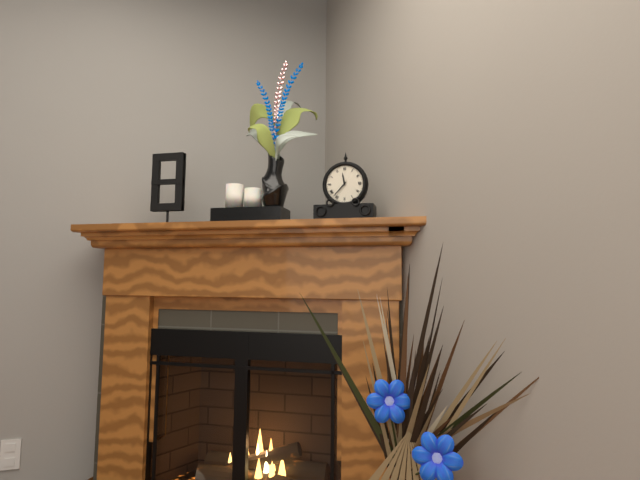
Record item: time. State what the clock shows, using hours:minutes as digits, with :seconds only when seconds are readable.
11:37
